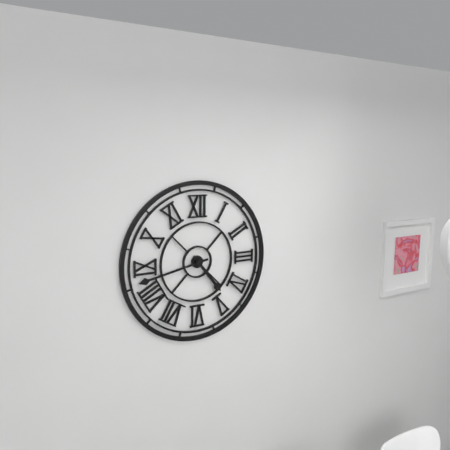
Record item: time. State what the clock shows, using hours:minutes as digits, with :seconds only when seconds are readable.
4:43
